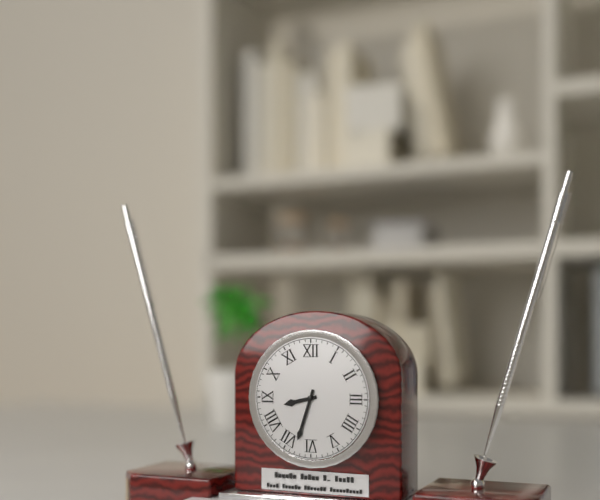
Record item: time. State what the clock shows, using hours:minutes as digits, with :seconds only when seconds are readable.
8:33
